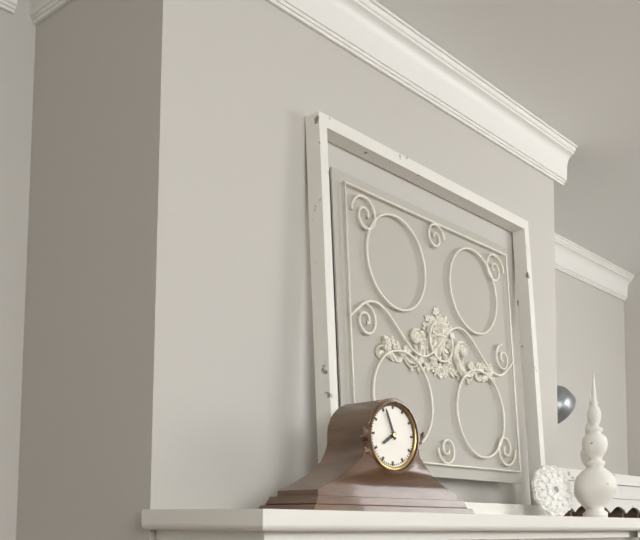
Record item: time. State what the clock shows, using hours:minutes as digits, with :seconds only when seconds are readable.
7:56
